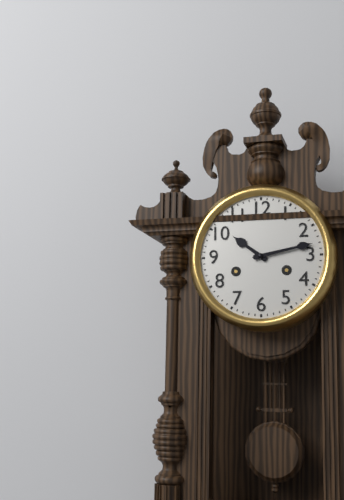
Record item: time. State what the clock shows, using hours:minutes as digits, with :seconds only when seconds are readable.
10:13
